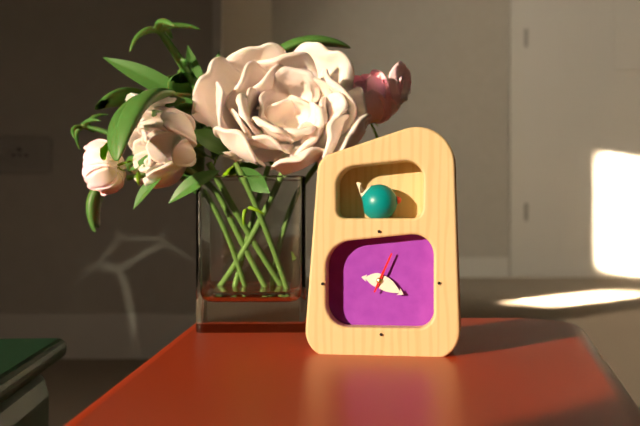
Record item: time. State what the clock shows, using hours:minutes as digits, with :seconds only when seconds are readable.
9:20
